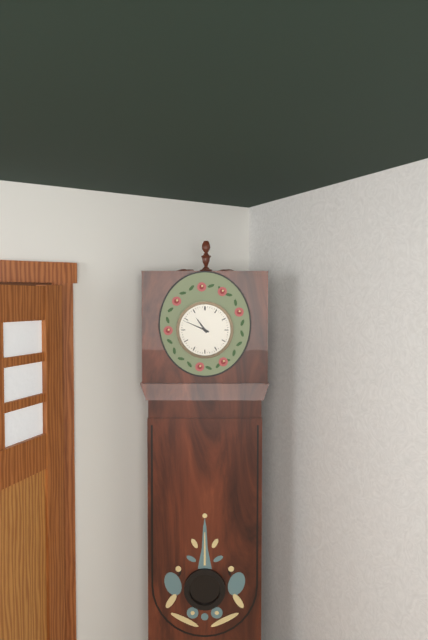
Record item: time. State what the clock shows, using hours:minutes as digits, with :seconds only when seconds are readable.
10:49
